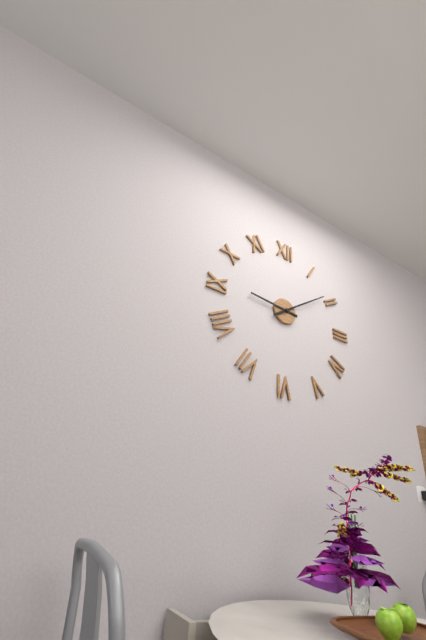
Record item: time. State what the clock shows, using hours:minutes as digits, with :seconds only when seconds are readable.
9:09
